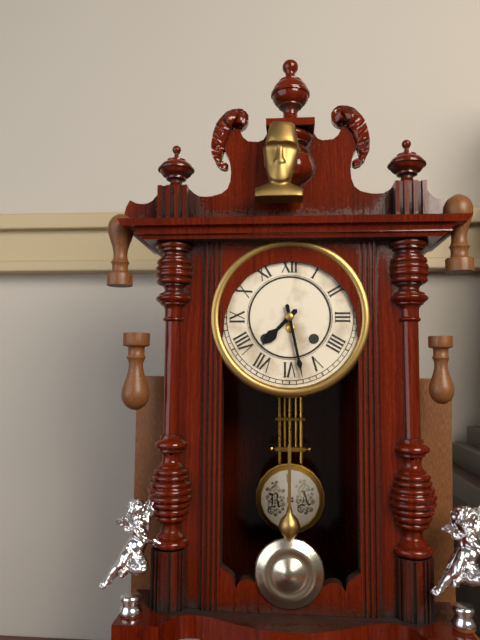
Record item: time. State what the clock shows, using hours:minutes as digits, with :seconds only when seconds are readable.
7:28
